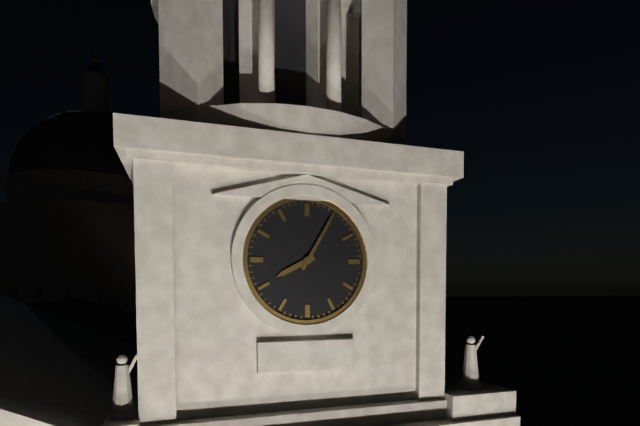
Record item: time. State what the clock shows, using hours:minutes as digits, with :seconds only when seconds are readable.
8:05
